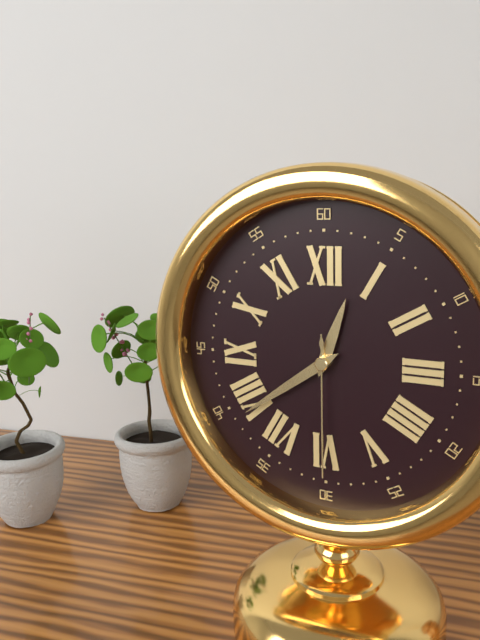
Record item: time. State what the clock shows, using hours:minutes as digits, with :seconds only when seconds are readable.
12:39:30
